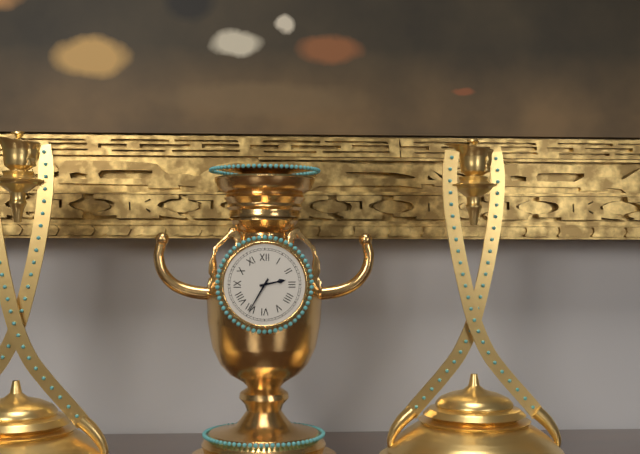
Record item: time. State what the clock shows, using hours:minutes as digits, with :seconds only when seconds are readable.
2:35
